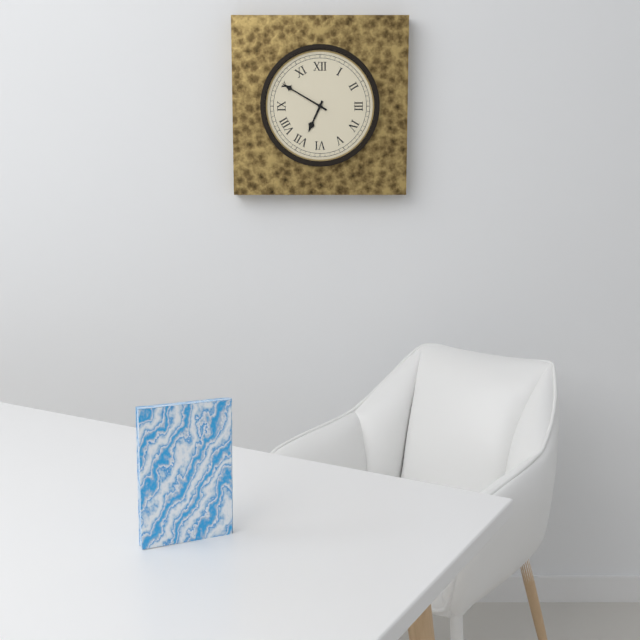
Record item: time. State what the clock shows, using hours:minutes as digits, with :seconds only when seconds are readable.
6:50
